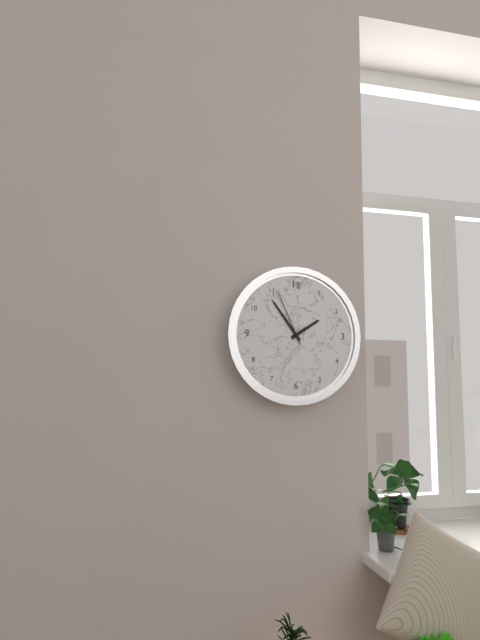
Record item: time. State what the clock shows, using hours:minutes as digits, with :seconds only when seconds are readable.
1:54:56
